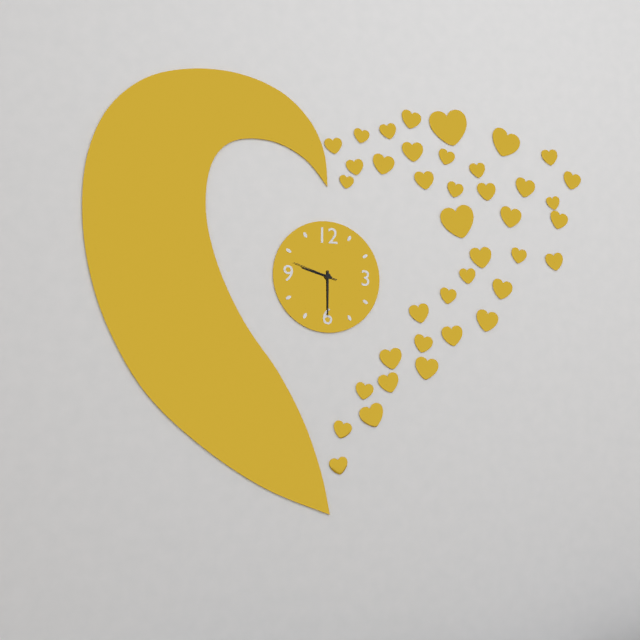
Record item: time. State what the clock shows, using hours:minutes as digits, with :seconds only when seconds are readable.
9:30
